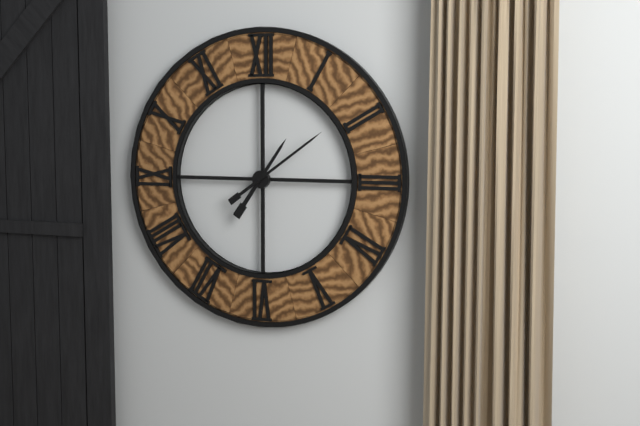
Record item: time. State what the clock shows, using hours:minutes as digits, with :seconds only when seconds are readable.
1:09
